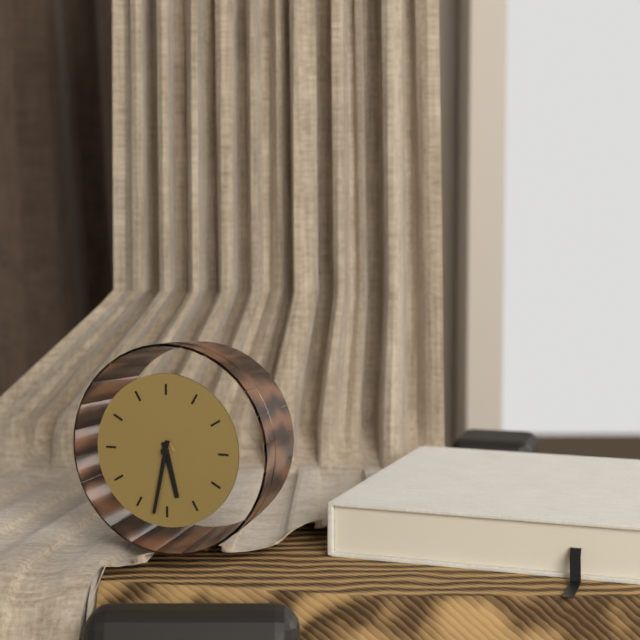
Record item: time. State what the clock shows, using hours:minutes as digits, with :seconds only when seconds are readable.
5:32
